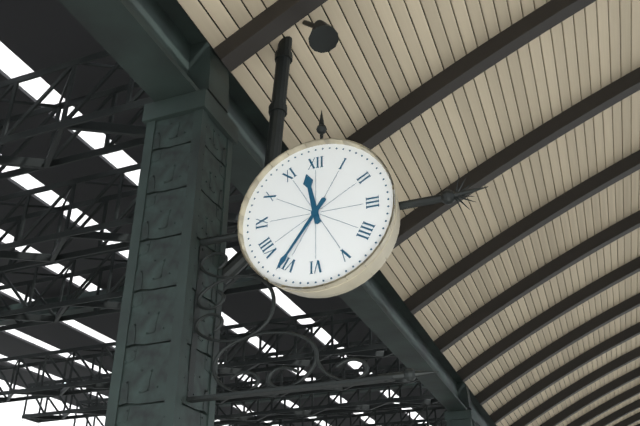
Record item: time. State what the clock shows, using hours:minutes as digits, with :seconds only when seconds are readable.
11:36
